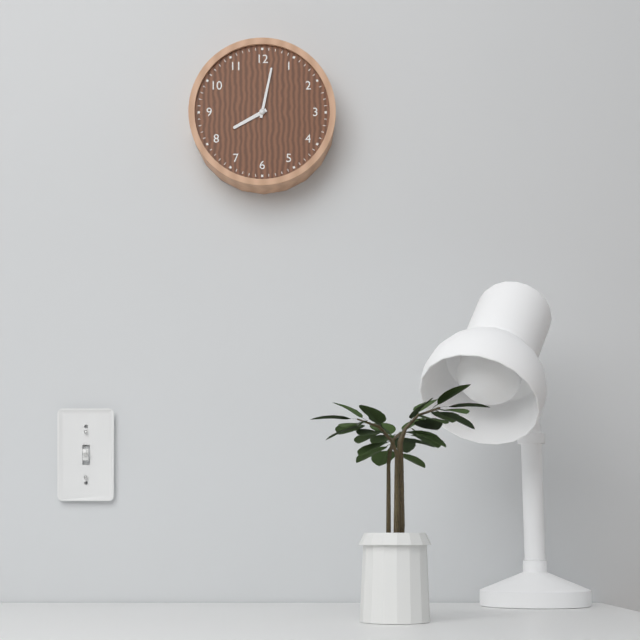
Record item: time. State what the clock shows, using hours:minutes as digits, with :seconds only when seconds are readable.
8:02
